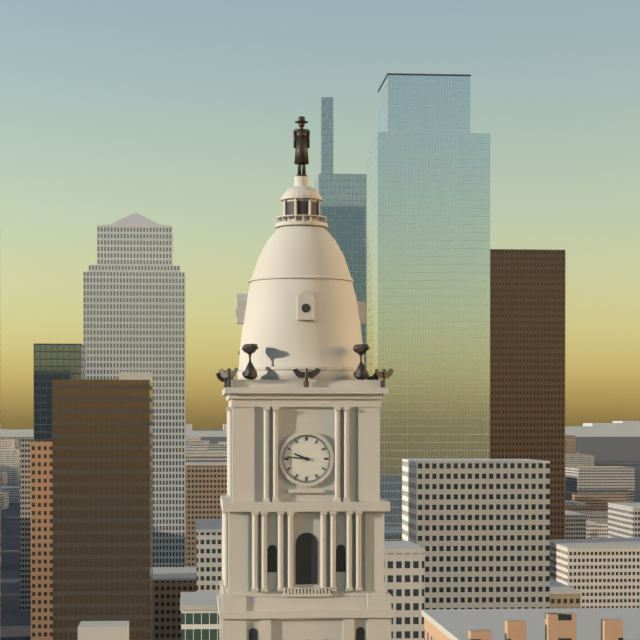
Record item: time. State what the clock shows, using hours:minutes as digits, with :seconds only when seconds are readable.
9:46
